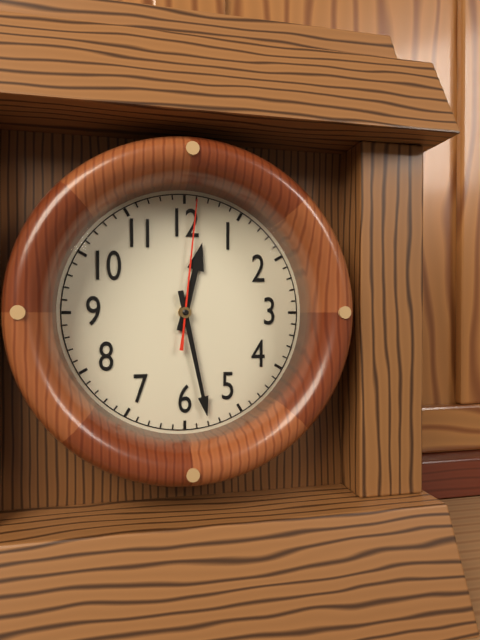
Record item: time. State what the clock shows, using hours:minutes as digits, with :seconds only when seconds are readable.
12:28:01
